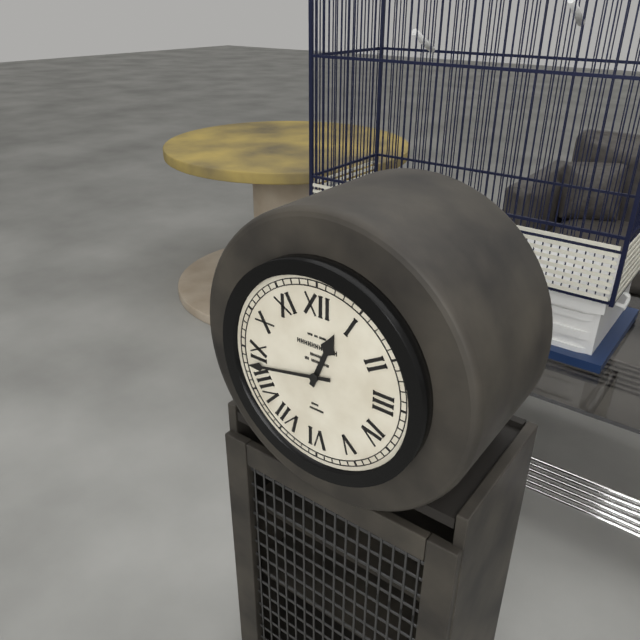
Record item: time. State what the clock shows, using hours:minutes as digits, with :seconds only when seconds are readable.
12:43
